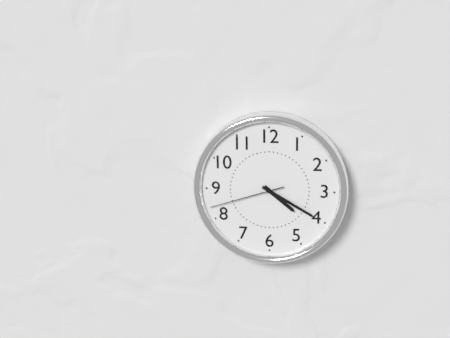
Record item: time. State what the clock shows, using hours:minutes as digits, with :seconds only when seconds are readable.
4:20:42
